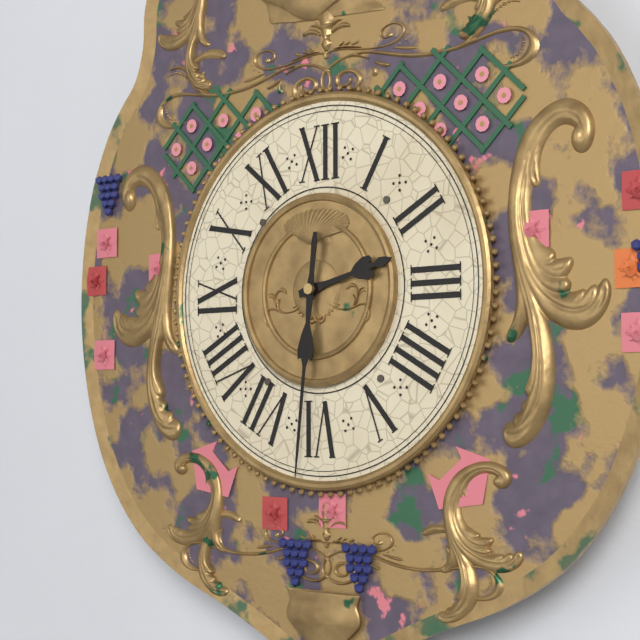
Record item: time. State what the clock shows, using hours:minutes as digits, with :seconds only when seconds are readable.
2:31
